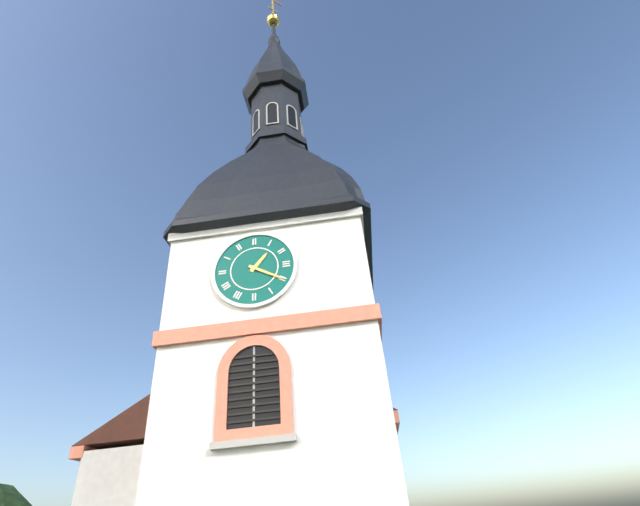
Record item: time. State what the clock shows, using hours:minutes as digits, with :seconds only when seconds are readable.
1:20
